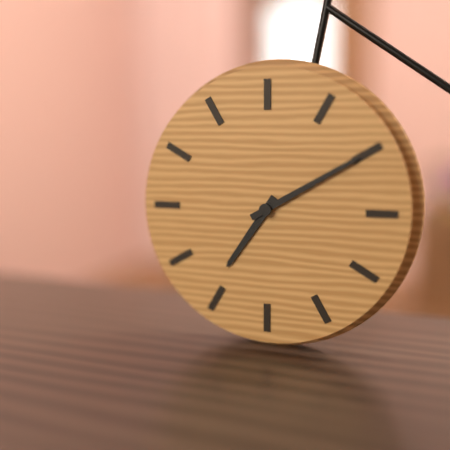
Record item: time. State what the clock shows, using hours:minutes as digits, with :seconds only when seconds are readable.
7:10
